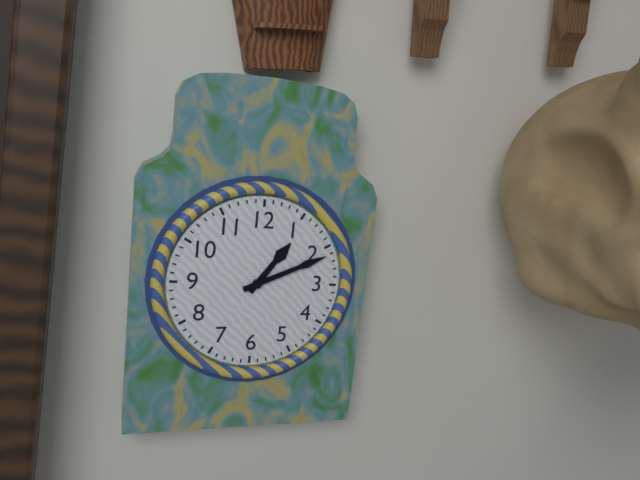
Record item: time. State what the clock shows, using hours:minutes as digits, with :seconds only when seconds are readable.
1:11
